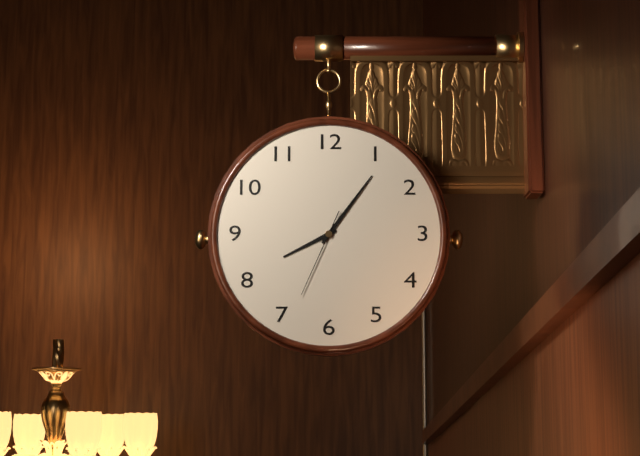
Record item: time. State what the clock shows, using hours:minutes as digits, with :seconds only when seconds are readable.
8:06:34
